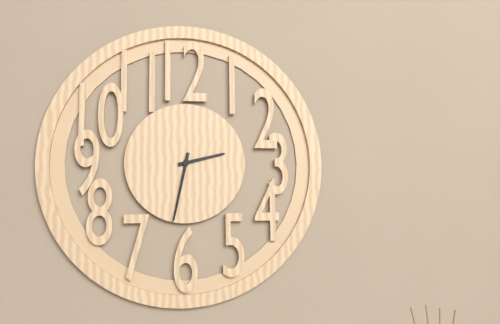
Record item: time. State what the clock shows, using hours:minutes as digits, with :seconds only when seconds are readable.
2:32
